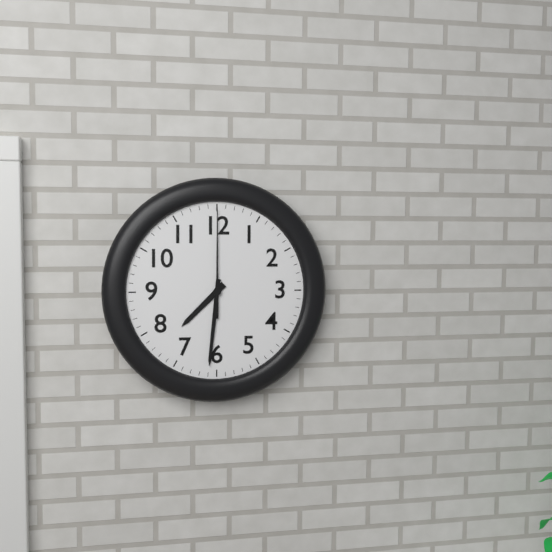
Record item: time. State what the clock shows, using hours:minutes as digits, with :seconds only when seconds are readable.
7:31:00
